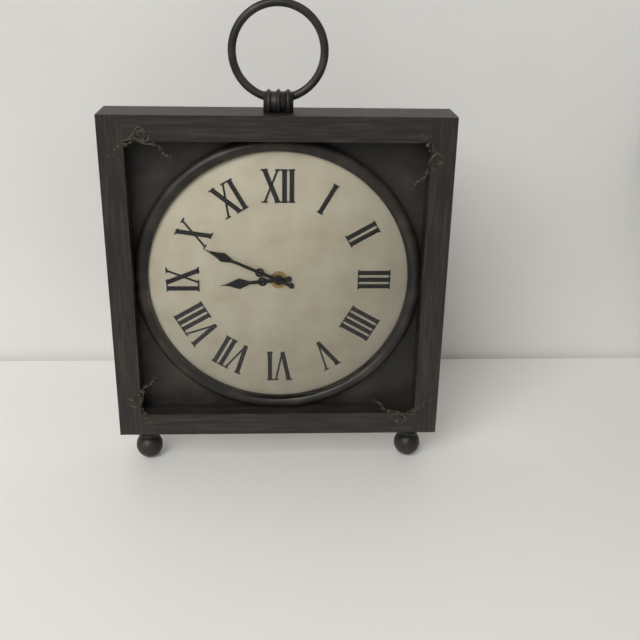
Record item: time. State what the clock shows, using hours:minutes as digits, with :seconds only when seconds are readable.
8:49
